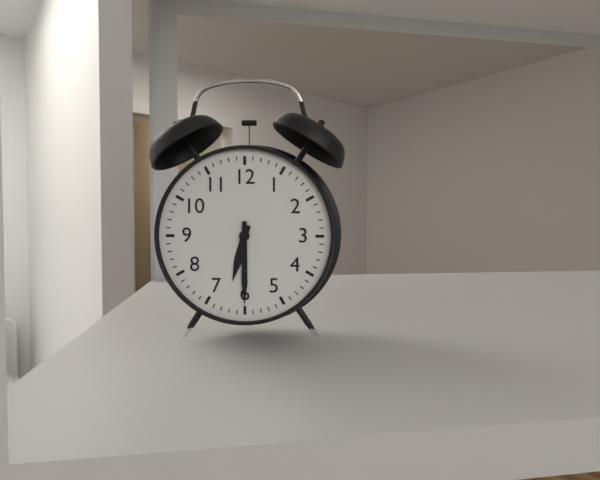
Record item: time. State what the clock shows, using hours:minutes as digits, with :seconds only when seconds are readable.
6:30
